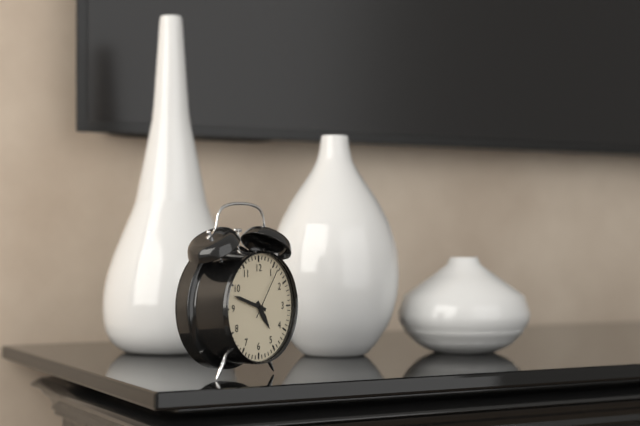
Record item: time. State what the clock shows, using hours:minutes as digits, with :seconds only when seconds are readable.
4:48:06
